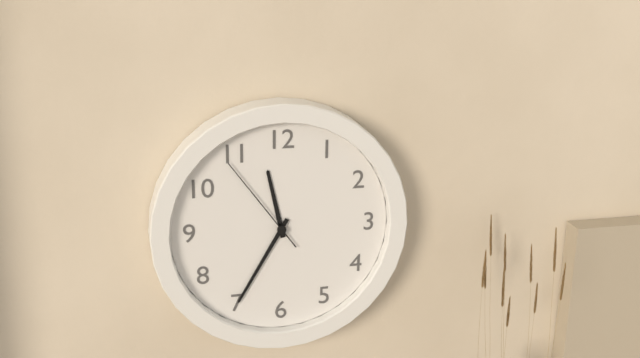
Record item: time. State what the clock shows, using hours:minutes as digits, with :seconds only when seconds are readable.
11:35:54
